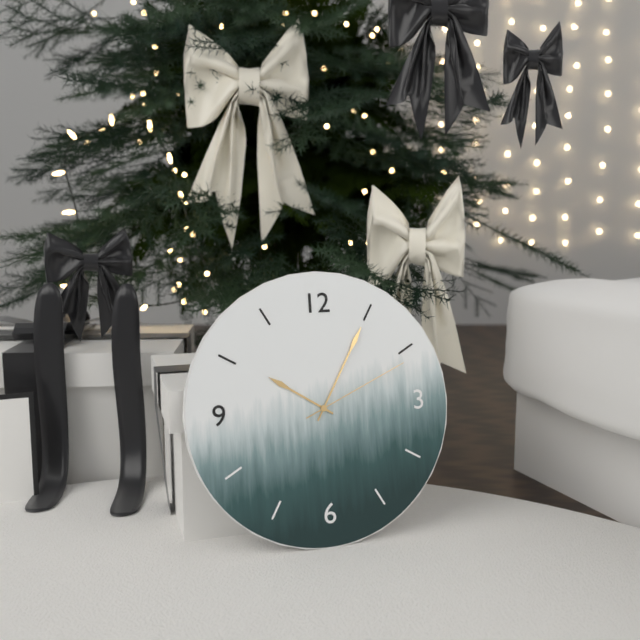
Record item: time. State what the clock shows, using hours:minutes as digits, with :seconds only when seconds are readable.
10:05:11
